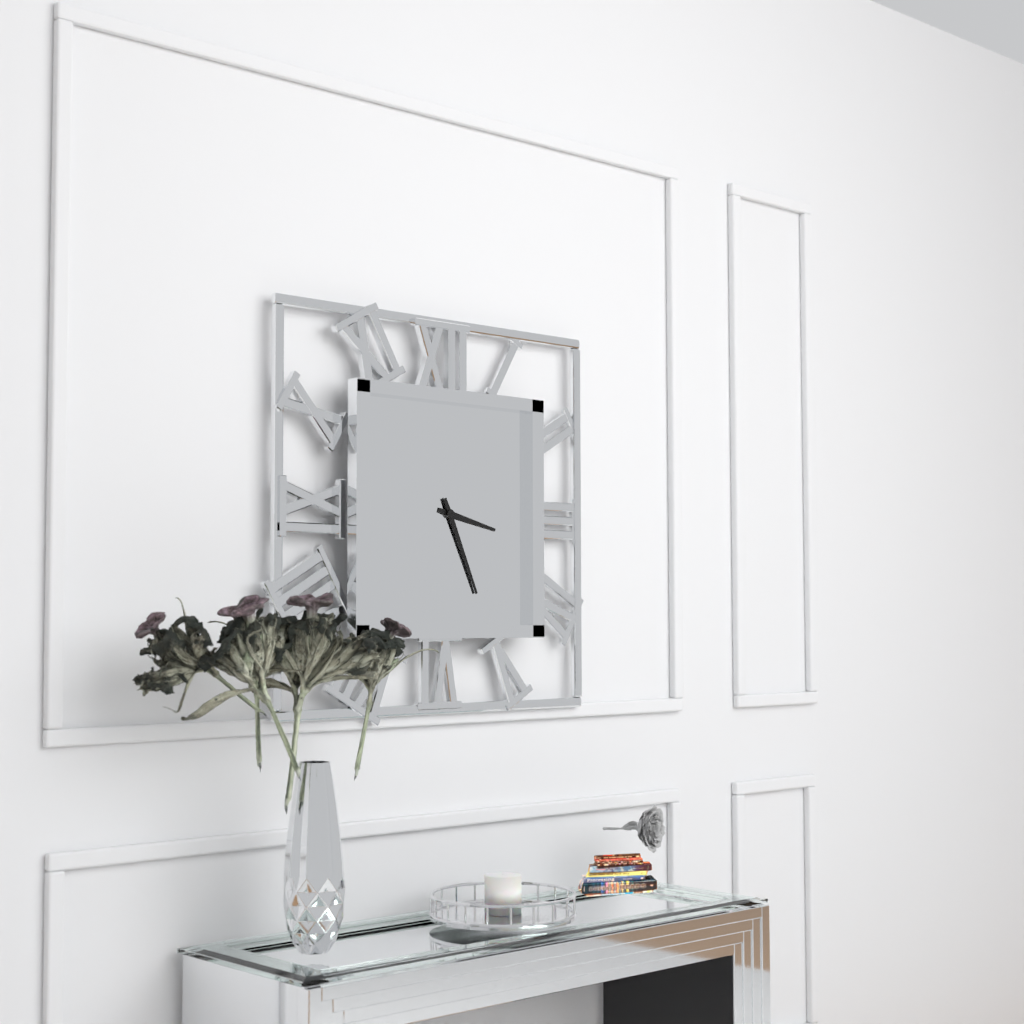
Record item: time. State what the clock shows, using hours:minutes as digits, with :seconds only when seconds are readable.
3:26
